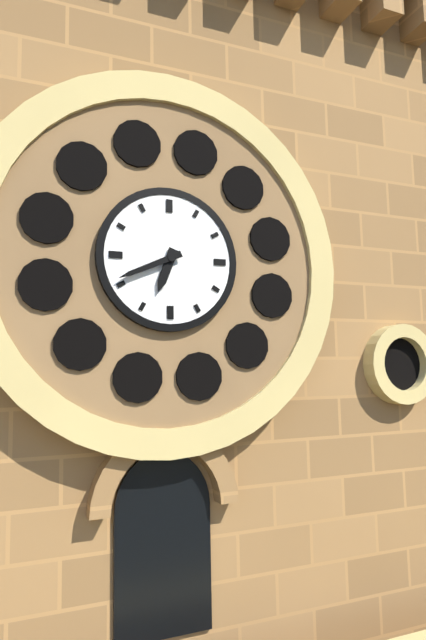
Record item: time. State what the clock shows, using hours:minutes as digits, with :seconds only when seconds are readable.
6:41
